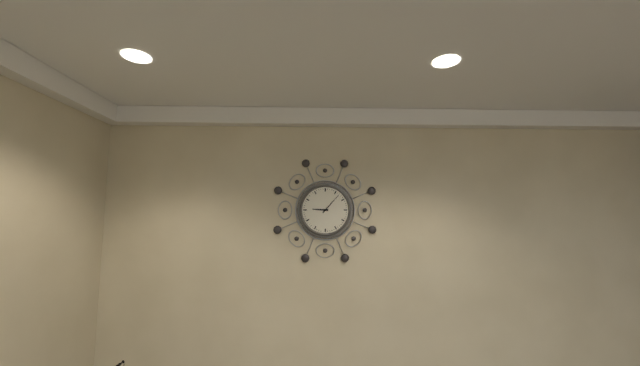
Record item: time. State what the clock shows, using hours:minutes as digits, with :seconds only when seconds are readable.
9:07
